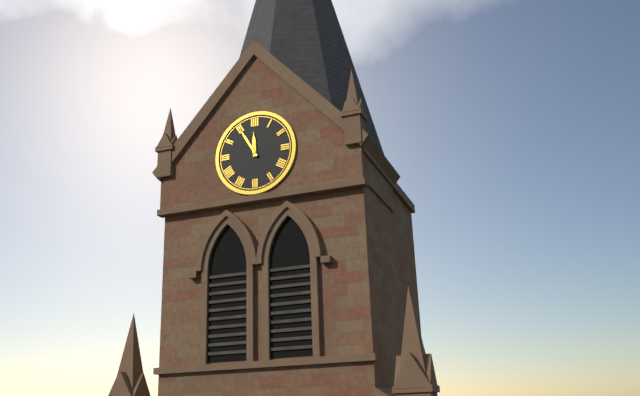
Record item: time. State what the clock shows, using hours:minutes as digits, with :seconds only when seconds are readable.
11:55
